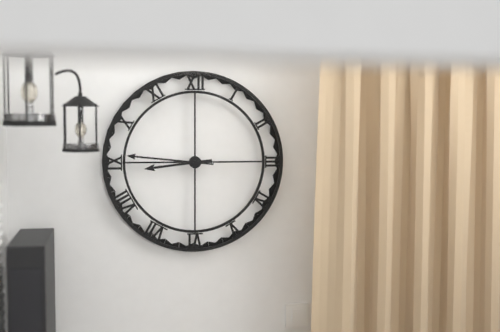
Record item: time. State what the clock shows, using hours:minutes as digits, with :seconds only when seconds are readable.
8:46
